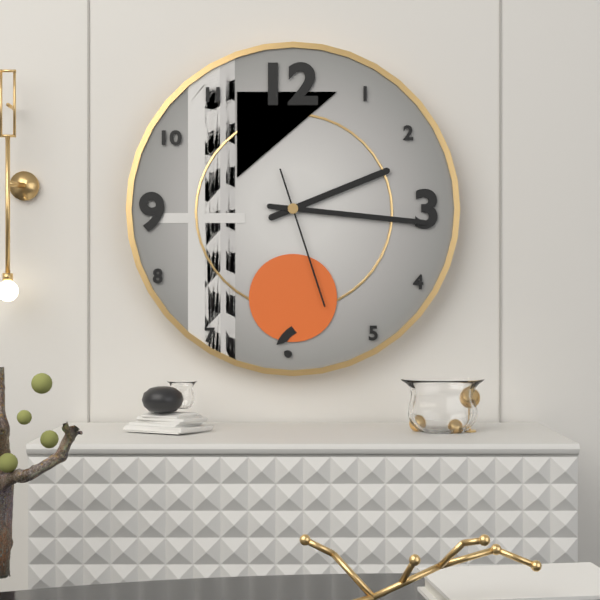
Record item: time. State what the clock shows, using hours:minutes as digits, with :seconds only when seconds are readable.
2:16:27
